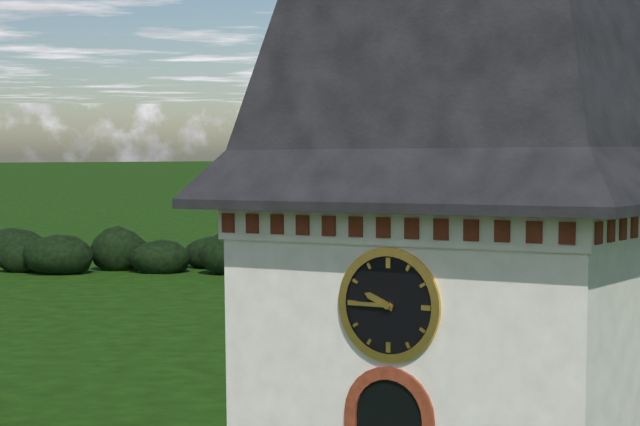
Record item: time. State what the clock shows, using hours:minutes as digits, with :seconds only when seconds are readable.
9:45
